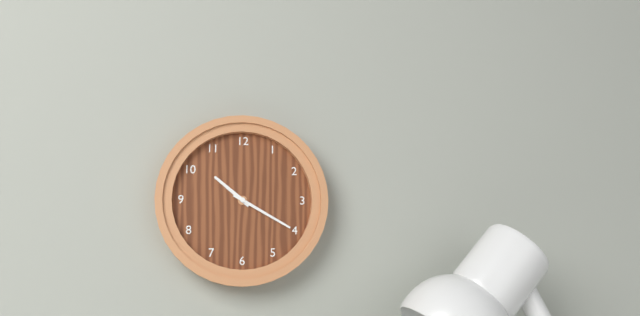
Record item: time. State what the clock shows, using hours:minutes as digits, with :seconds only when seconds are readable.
10:20
